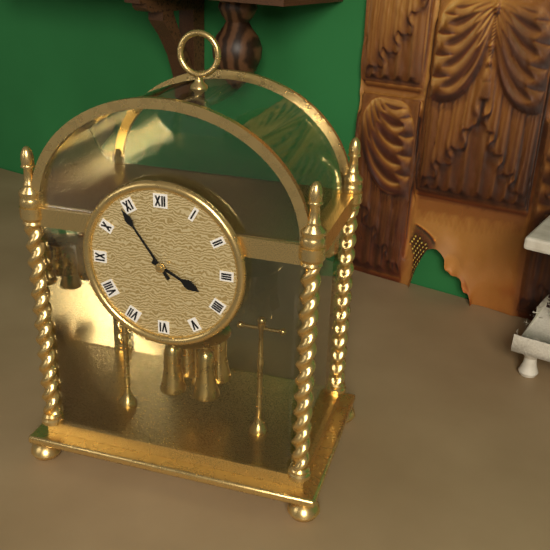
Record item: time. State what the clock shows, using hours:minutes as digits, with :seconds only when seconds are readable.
3:54
